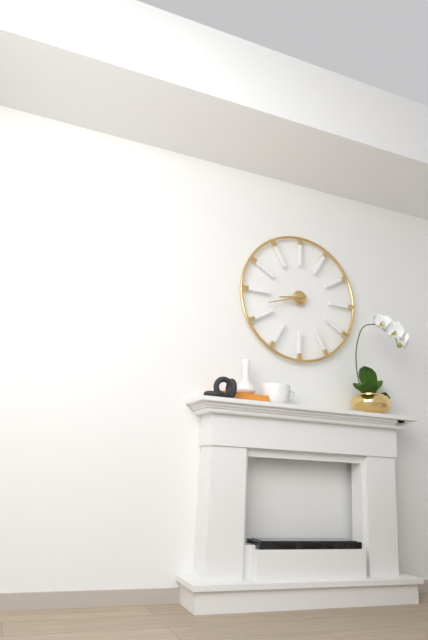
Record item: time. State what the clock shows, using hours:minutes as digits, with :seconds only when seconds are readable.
8:42
